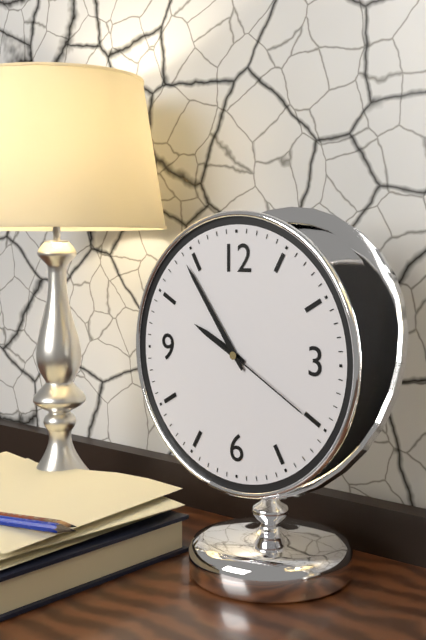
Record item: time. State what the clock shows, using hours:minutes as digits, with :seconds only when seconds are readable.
9:54:20
